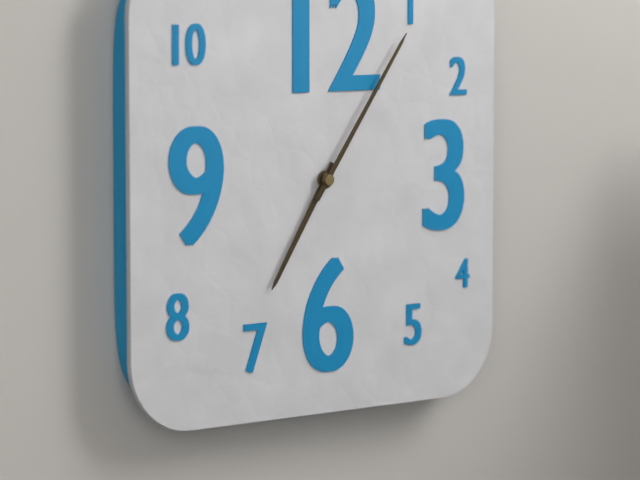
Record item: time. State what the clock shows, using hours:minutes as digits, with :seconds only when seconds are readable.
7:06
